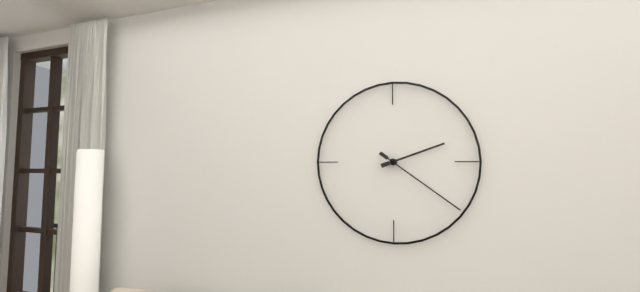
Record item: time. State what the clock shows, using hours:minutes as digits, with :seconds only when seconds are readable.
2:21
